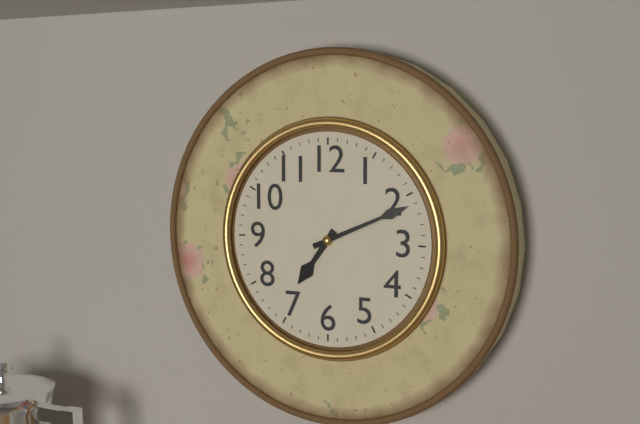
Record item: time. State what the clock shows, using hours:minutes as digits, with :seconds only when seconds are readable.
7:11
